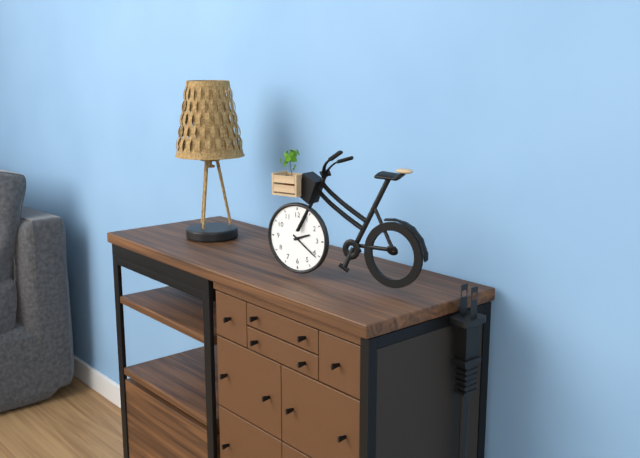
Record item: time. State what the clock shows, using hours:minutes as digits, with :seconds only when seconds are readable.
2:21
